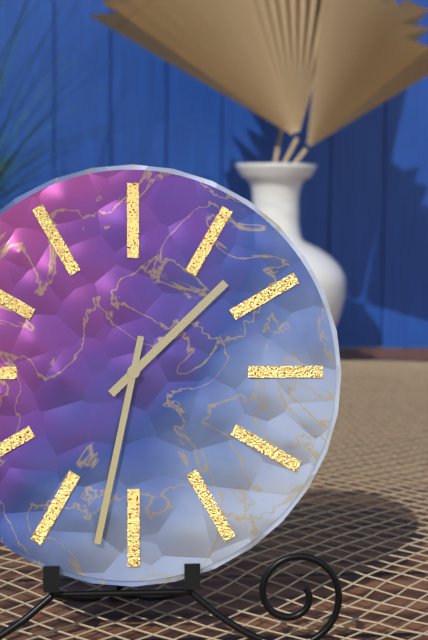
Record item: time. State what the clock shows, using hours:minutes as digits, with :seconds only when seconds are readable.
1:32
